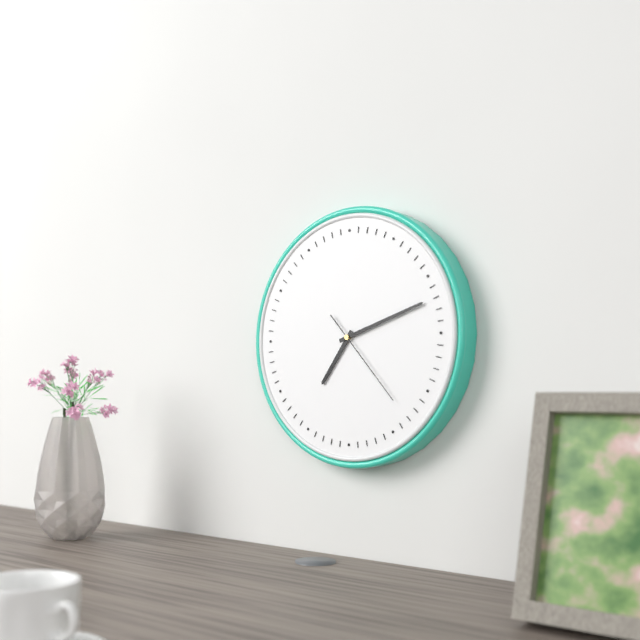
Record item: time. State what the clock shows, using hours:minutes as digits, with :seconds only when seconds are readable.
7:12:23
